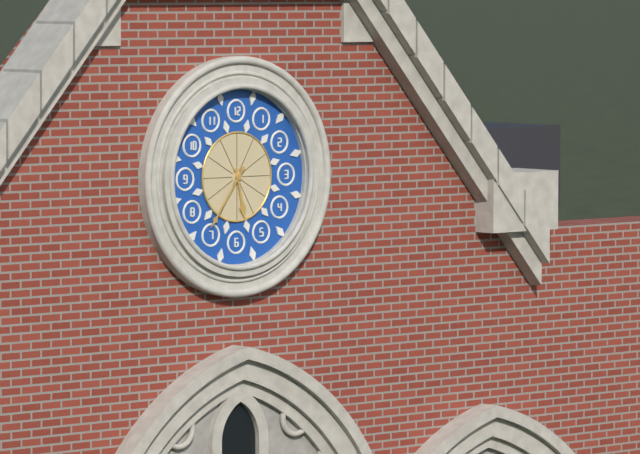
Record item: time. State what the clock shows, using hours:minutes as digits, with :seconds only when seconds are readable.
5:36
